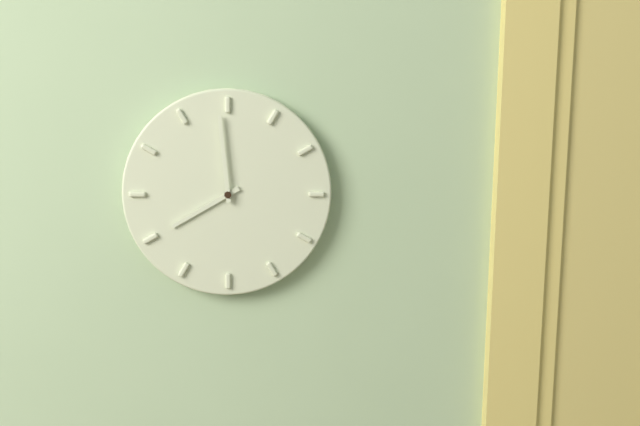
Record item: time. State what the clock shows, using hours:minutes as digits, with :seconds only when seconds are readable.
7:59
